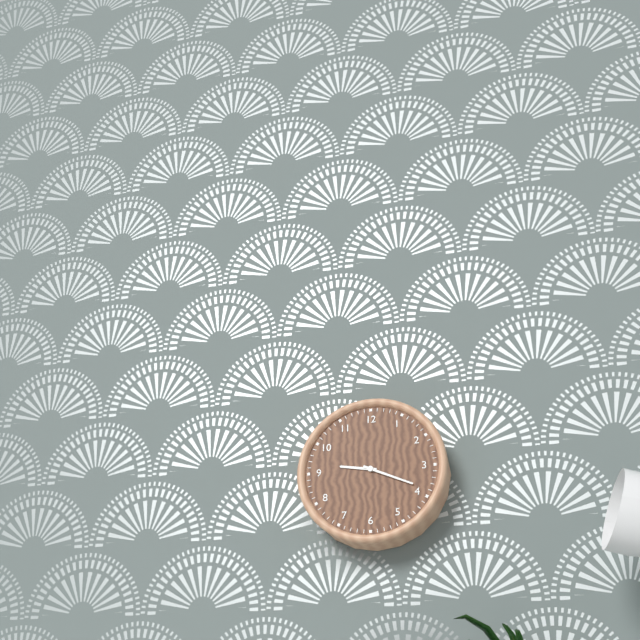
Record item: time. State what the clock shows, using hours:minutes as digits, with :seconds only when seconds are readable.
9:19
